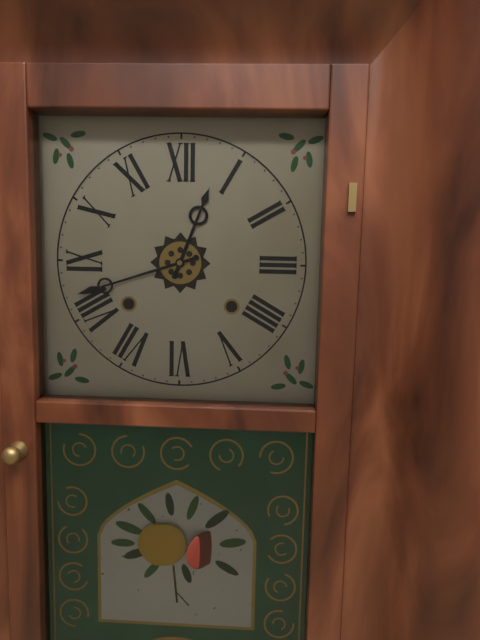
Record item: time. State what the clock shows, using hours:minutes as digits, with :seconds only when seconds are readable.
12:42
